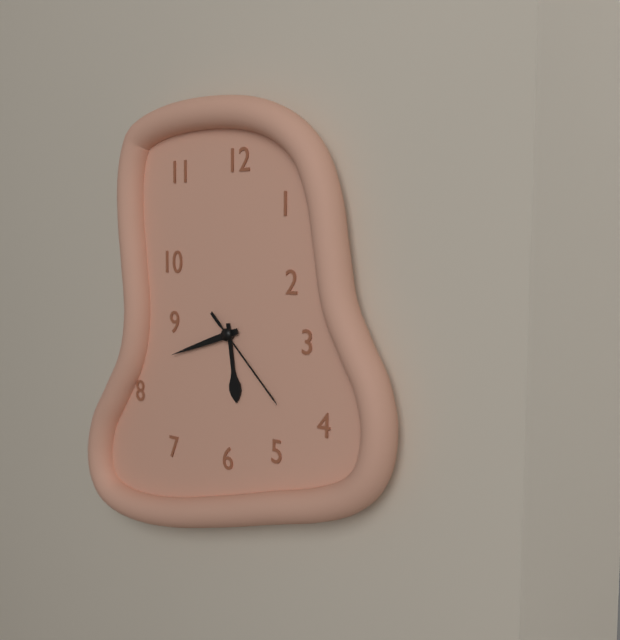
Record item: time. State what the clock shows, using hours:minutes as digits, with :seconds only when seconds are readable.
5:42:22
